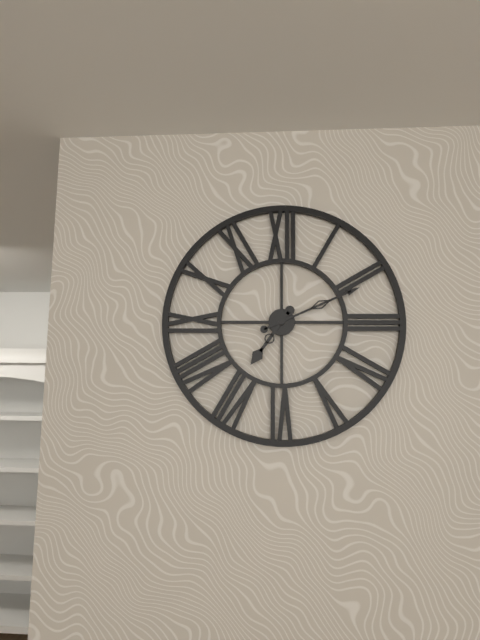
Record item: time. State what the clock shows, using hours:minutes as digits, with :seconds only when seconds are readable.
7:11
